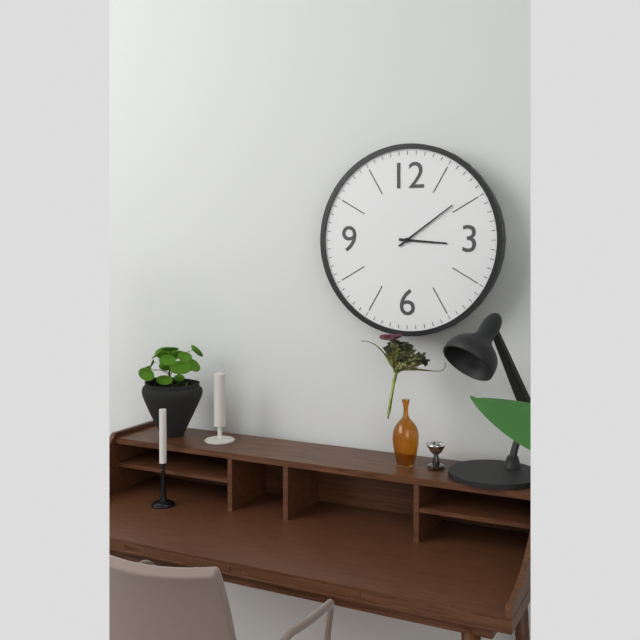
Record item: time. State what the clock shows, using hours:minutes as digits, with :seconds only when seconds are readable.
3:09
